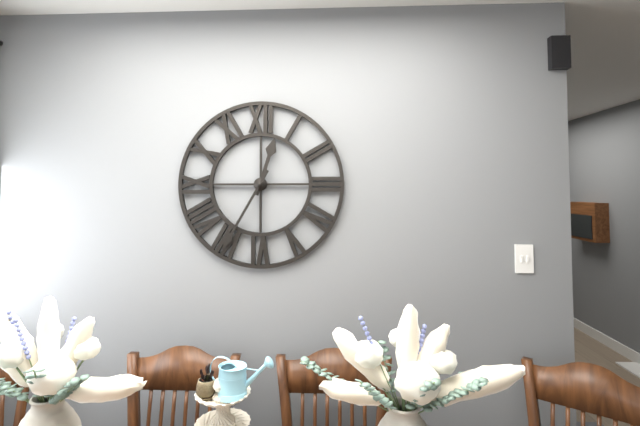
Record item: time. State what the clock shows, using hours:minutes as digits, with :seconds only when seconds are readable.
12:35
